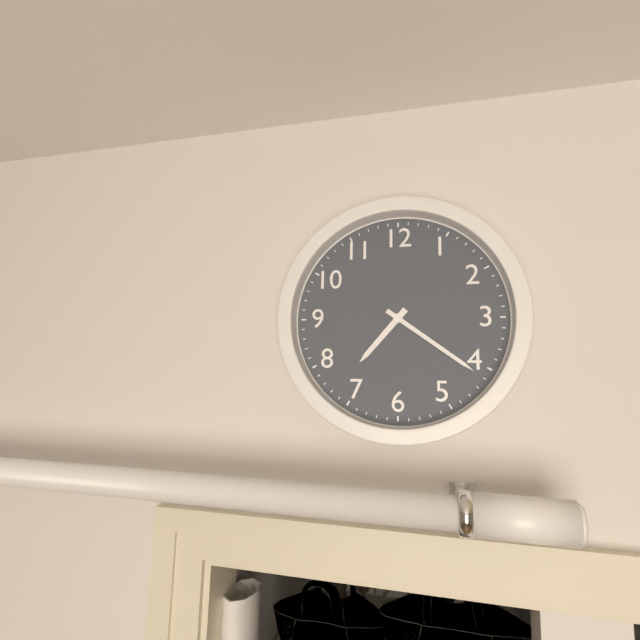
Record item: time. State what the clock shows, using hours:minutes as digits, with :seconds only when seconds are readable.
7:21
